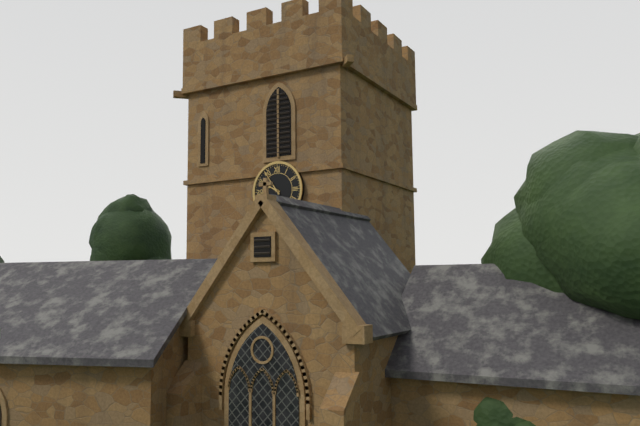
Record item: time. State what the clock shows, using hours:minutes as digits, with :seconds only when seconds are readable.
9:54
